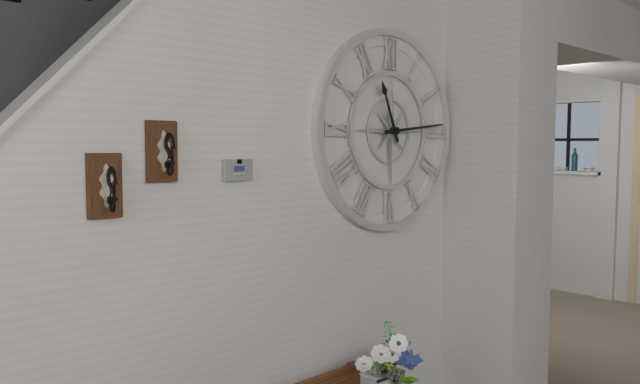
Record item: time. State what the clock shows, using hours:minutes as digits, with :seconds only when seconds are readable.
11:14
